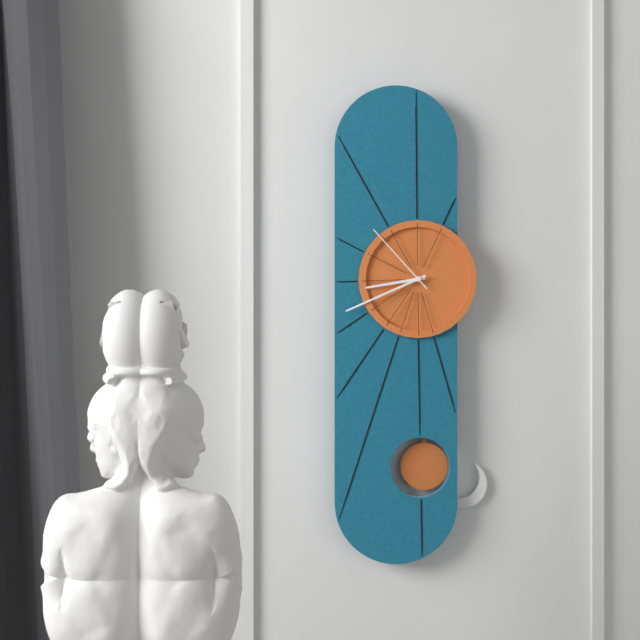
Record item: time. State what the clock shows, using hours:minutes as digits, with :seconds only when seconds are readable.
8:41:53
